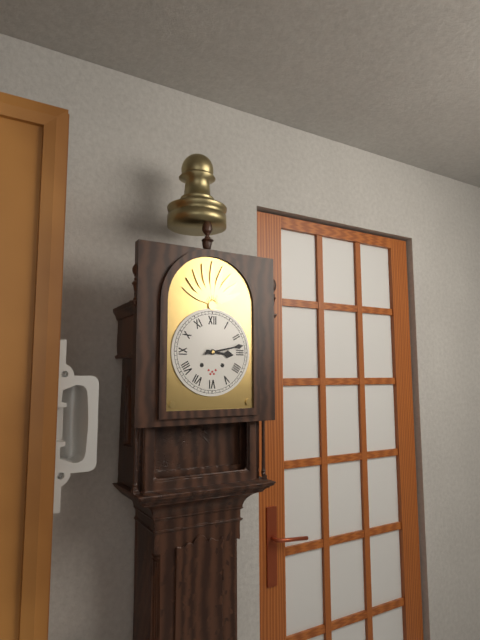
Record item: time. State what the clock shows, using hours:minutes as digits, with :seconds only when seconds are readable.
3:13
